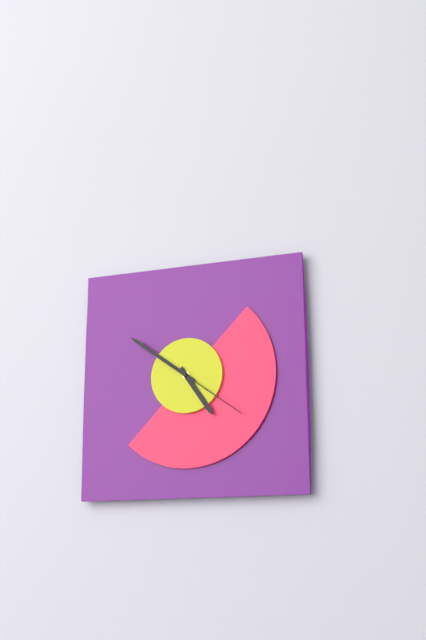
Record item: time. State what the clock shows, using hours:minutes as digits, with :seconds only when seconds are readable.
4:51:21
